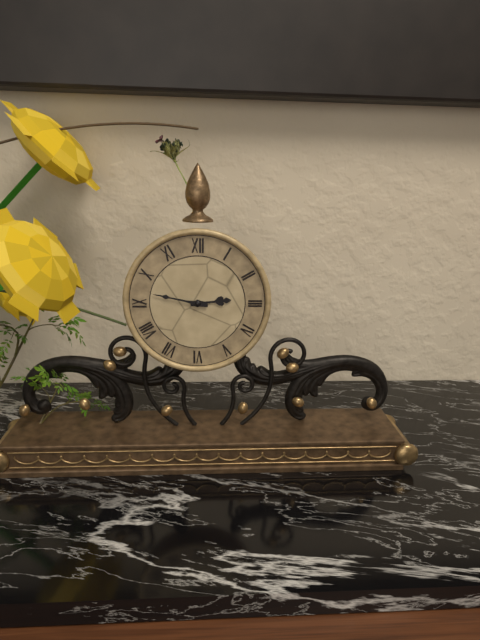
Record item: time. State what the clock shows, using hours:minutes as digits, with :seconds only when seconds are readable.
2:47
